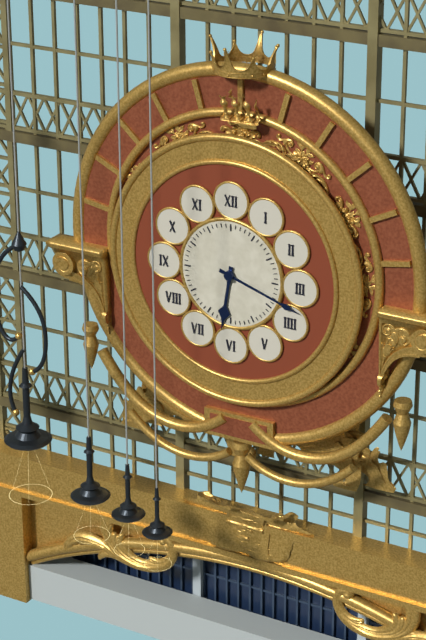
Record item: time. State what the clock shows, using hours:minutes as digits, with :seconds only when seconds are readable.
6:18
